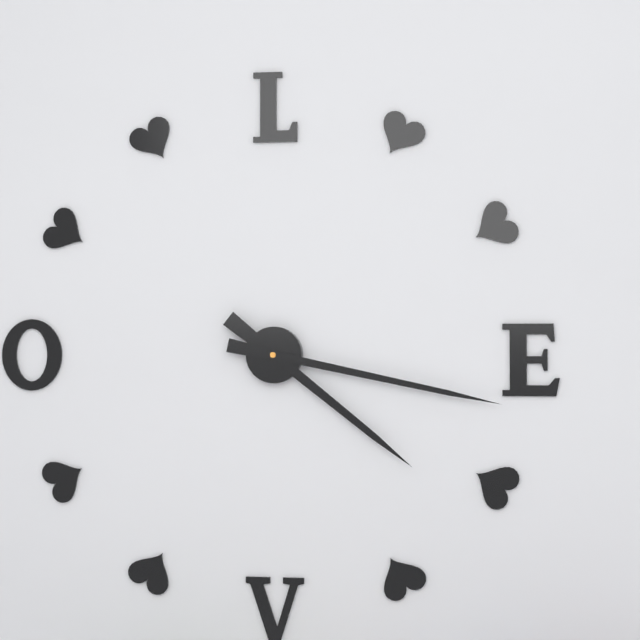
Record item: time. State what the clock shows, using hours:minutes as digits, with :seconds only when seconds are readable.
4:17
